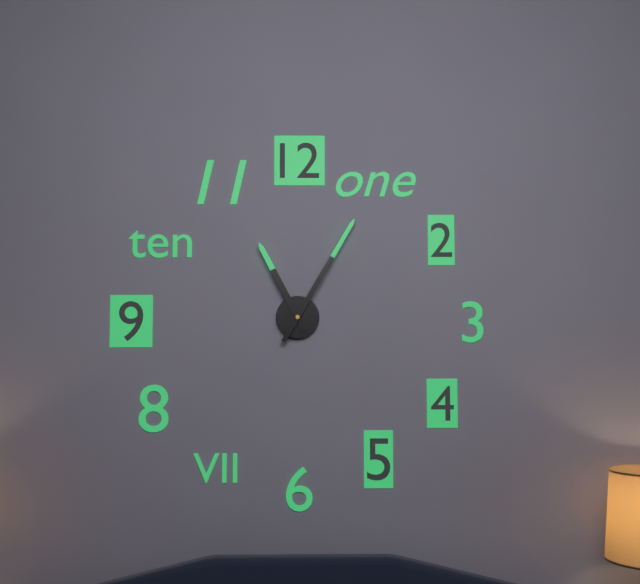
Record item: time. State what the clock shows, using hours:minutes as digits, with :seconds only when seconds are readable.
11:05
